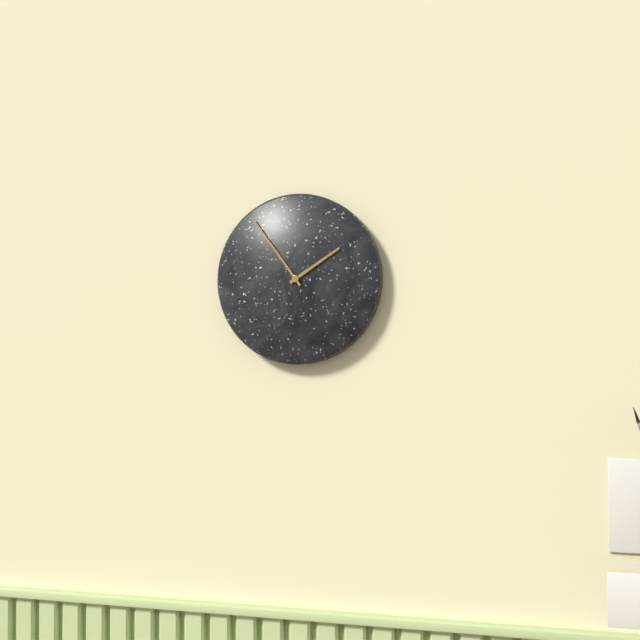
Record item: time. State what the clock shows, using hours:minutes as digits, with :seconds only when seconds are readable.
1:54
